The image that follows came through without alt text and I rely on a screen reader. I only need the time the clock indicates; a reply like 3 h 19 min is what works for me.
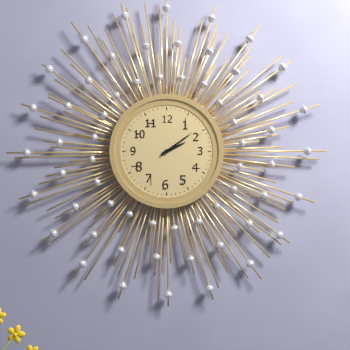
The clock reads 2 h 09 min
